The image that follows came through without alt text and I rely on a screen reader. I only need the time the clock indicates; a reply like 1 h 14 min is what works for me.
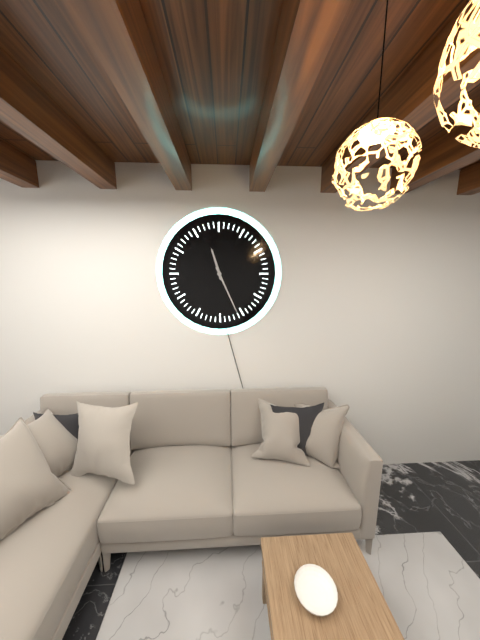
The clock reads 11 h 26 min
